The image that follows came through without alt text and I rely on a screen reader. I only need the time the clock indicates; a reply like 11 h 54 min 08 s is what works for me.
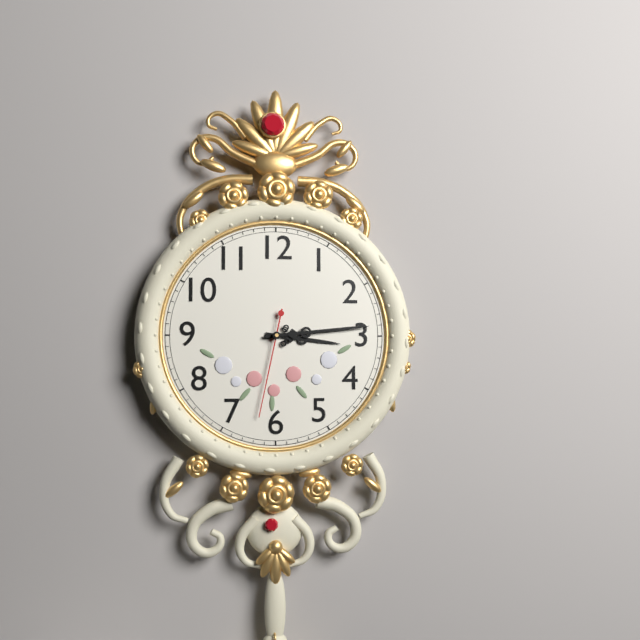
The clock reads 3 h 14 min 32 s
